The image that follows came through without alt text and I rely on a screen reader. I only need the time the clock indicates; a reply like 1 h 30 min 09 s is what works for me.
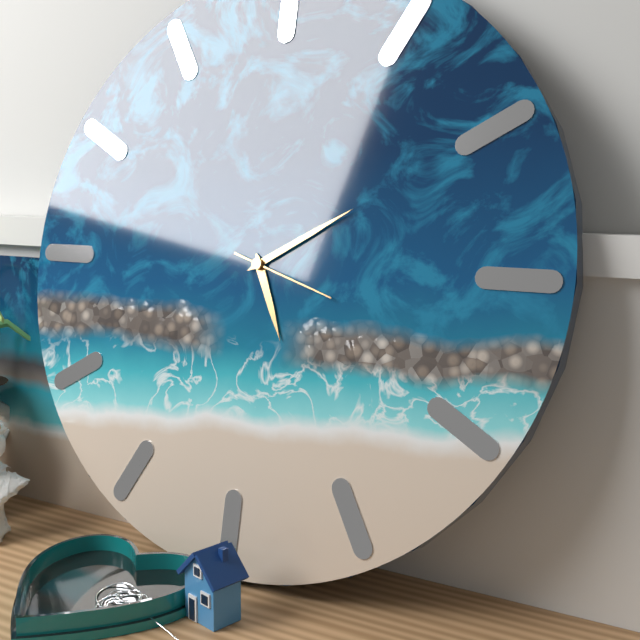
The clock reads 5 h 10 min 18 s
